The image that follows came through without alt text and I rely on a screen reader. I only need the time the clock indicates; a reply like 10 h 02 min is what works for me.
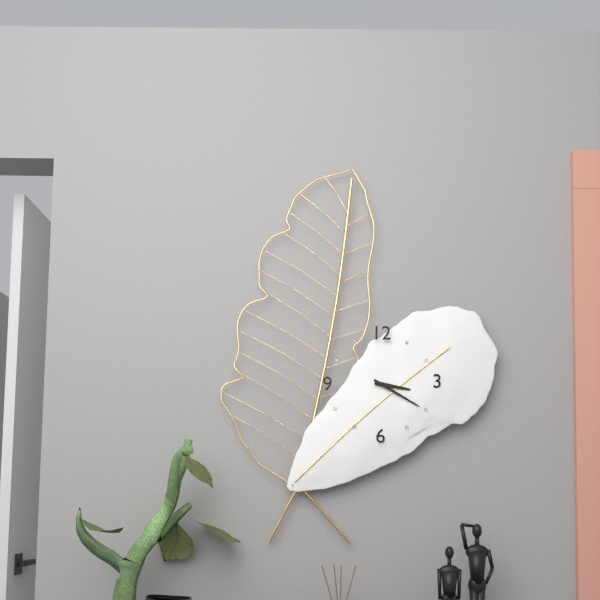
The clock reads 3 h 20 min
